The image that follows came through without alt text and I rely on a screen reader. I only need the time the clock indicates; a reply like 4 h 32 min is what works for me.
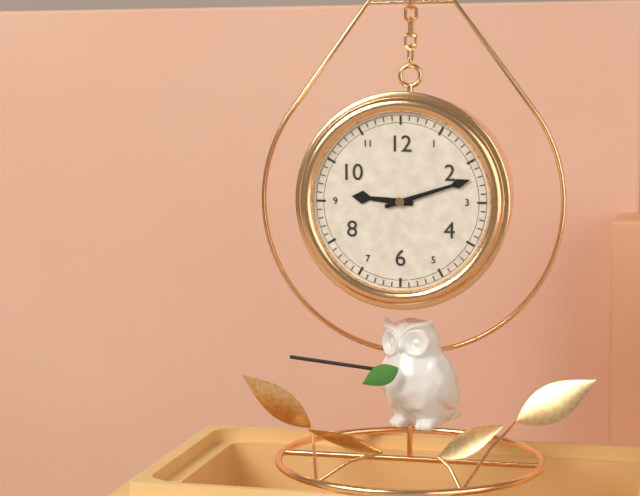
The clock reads 9 h 12 min
